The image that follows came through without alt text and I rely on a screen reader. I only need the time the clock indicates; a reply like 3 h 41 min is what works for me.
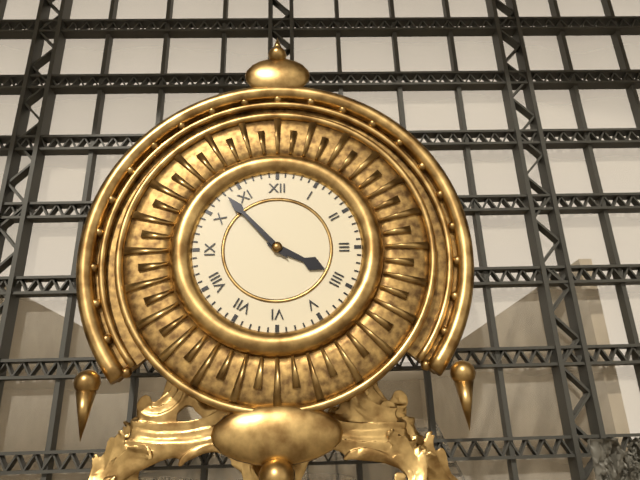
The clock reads 3 h 53 min
